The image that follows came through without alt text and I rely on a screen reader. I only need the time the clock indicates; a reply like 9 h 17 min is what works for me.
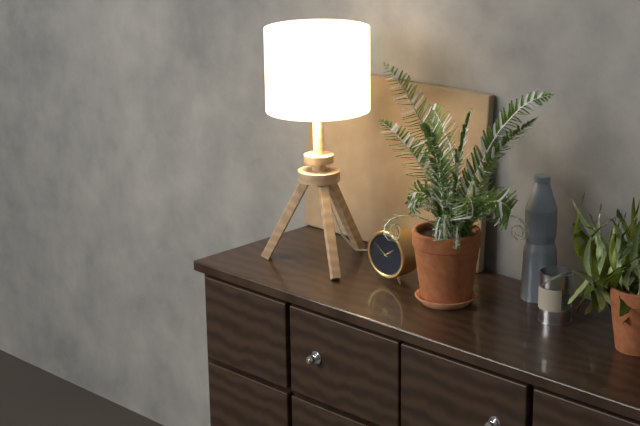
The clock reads 1 h 51 min
